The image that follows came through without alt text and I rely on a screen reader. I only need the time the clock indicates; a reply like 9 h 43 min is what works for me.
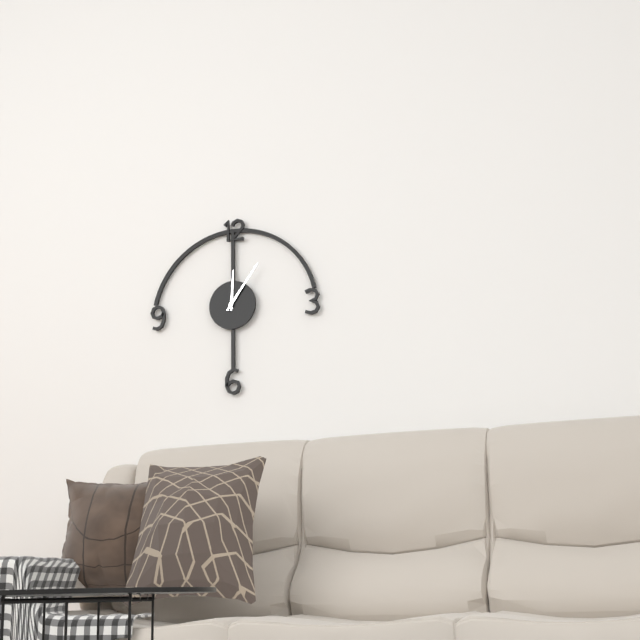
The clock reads 12 h 06 min
